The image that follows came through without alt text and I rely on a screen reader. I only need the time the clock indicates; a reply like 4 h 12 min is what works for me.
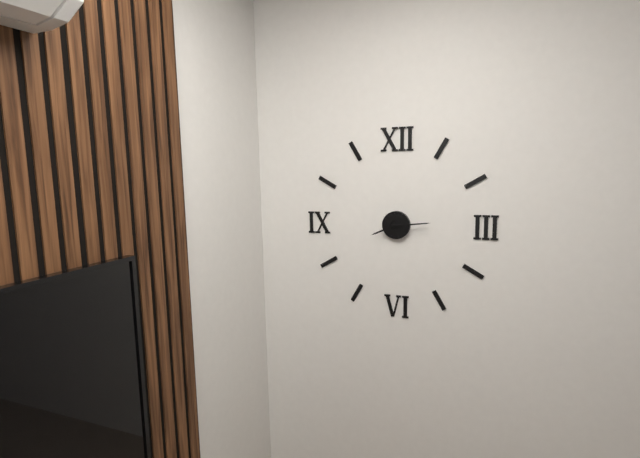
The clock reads 8 h 14 min
